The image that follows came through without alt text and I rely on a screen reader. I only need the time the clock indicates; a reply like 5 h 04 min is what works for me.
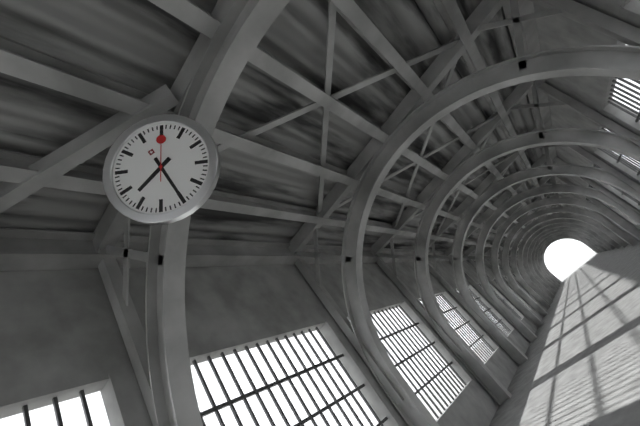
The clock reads 8 h 30 min
